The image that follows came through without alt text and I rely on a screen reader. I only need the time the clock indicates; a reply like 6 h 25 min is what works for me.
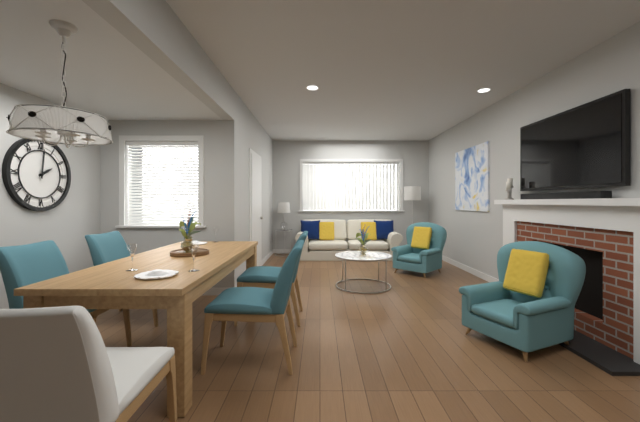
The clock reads 2 h 01 min
